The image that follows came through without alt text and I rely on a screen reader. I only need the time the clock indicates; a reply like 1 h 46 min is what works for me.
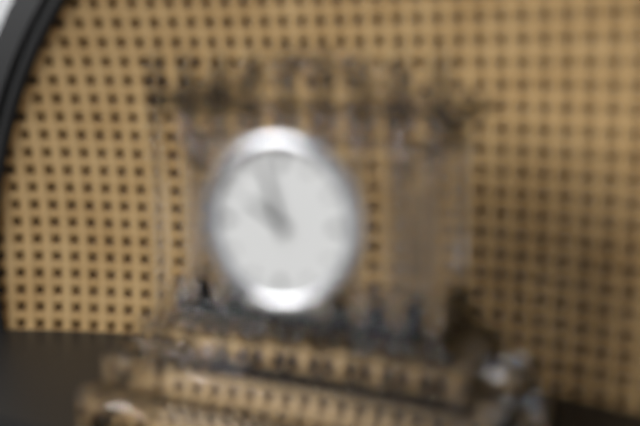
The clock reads 9 h 57 min
